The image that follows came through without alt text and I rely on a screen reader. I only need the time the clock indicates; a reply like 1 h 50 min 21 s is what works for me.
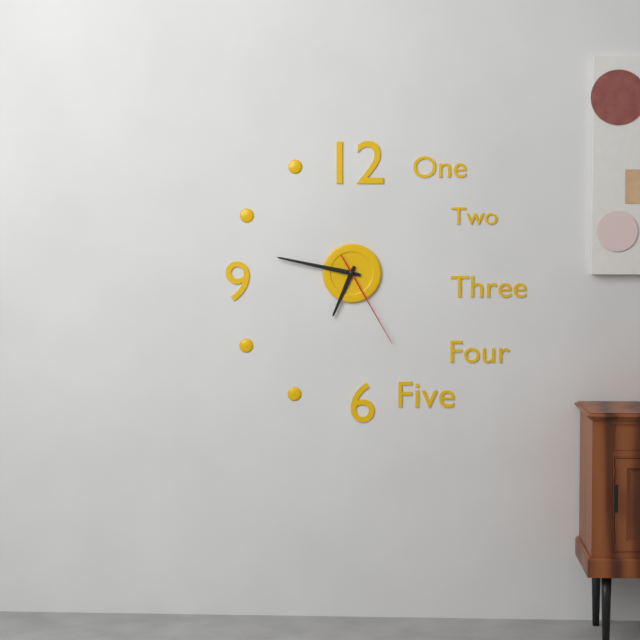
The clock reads 6 h 47 min 25 s
